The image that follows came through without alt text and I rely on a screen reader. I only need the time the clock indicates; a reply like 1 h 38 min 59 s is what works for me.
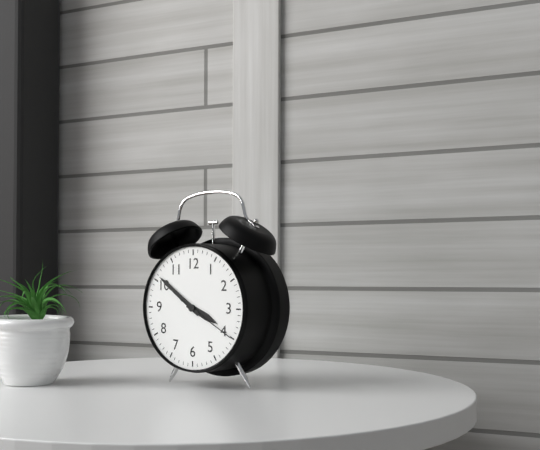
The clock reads 3 h 51 min 20 s
